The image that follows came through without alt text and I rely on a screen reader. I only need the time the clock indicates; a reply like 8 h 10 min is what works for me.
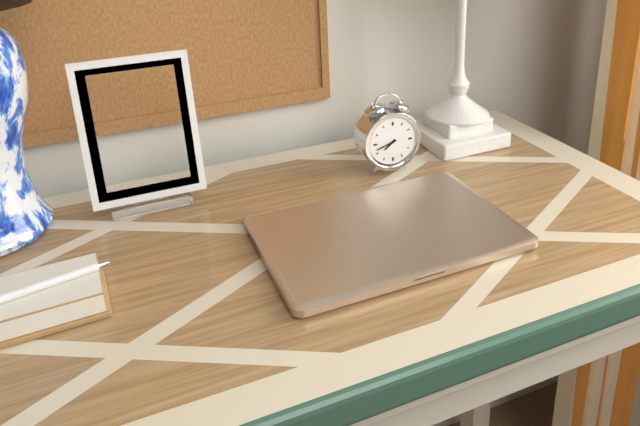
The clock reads 7 h 42 min
